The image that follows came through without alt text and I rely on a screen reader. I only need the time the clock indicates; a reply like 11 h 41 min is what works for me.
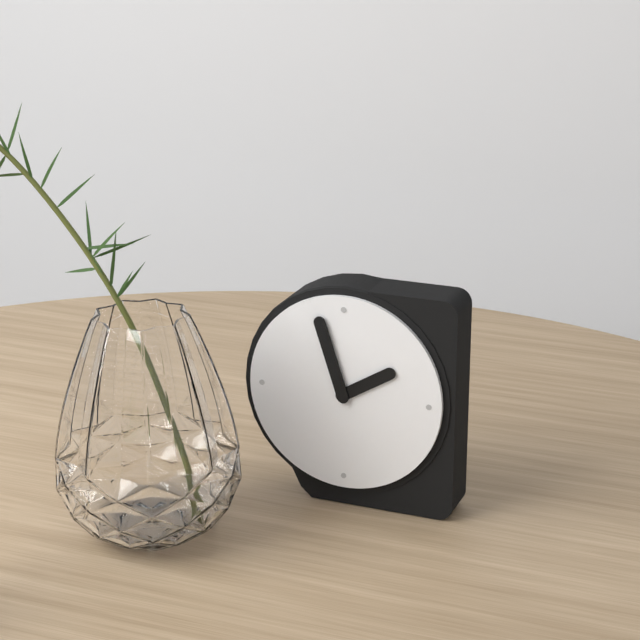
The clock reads 1 h 57 min
